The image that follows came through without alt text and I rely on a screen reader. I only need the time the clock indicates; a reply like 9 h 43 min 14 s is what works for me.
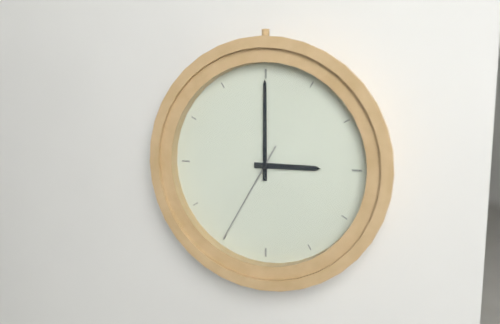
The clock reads 3 h 00 min 35 s
